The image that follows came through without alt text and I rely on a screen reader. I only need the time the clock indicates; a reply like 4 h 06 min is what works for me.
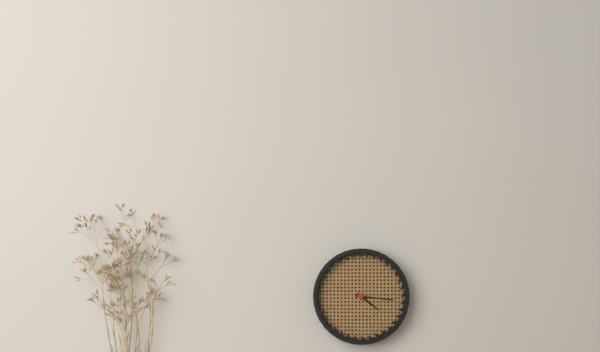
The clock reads 4 h 16 min
